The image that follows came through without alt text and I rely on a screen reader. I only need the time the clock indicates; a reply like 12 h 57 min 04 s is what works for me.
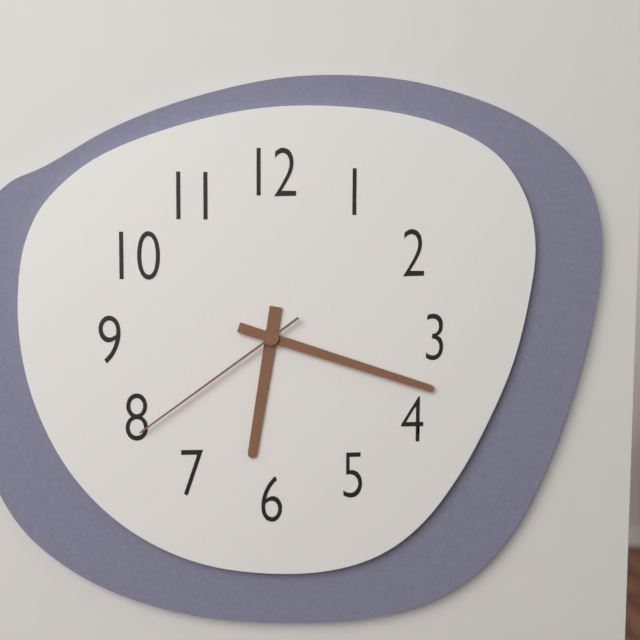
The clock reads 6 h 18 min 39 s
